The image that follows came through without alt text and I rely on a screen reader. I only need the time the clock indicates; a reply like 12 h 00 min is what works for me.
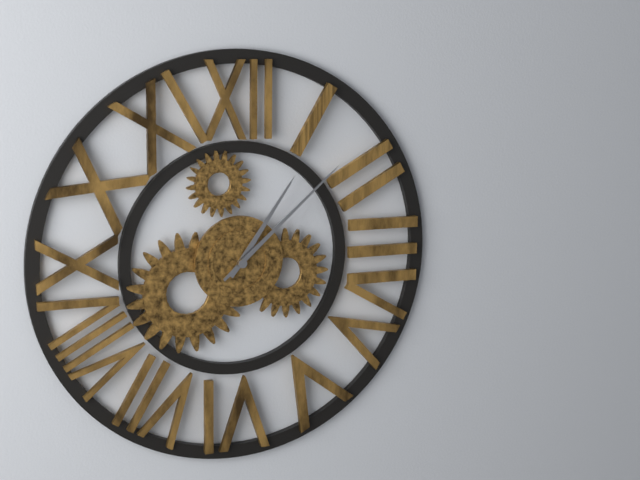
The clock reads 1 h 08 min
